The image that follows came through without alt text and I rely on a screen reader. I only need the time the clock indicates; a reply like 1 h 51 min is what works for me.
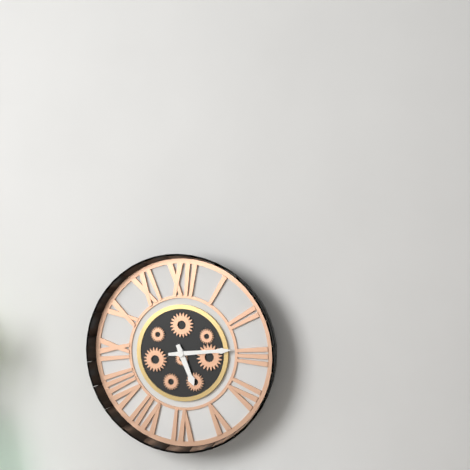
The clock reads 5 h 14 min
